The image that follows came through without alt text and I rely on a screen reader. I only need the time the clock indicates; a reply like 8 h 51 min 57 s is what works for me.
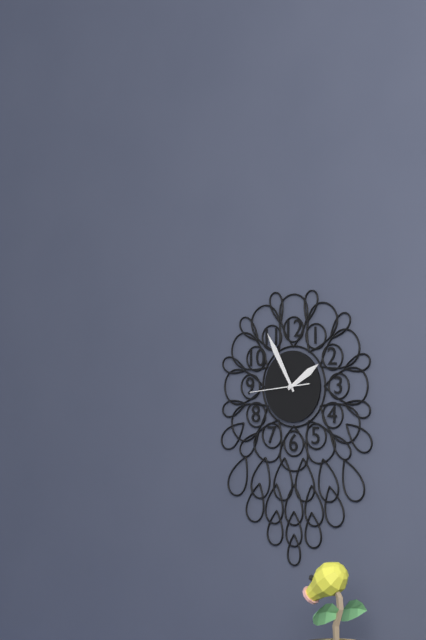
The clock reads 1 h 55 min 44 s
